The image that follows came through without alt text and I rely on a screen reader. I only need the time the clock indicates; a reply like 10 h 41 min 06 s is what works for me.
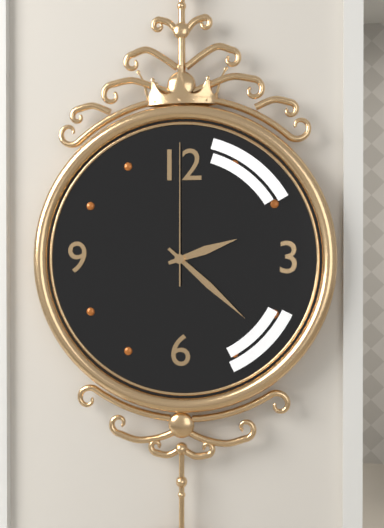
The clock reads 2 h 22 min 00 s
